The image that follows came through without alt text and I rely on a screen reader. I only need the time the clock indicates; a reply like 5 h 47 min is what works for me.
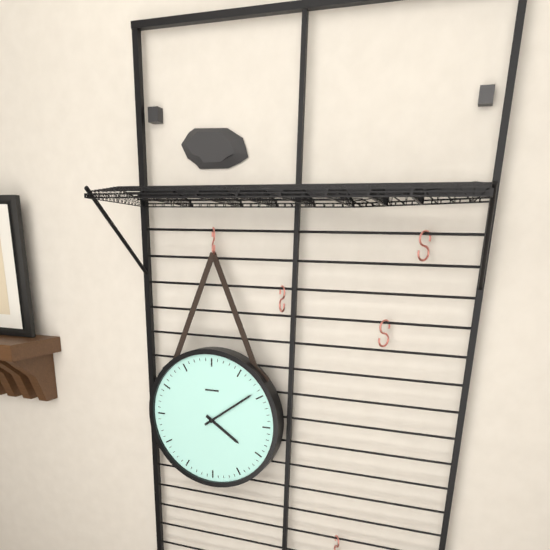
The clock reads 4 h 09 min
